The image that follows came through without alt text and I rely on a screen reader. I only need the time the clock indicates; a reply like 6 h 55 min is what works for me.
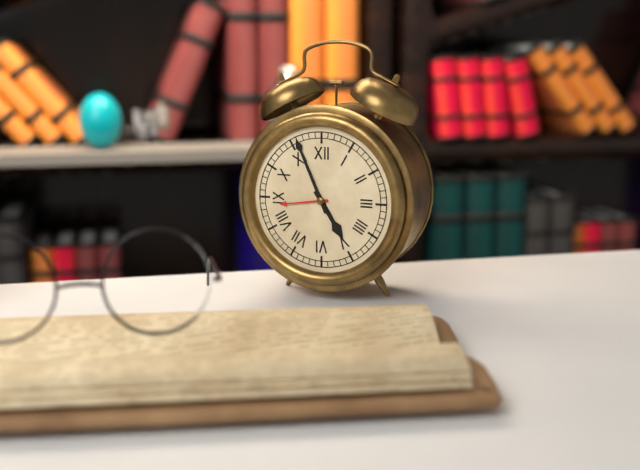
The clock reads 4 h 56 min
